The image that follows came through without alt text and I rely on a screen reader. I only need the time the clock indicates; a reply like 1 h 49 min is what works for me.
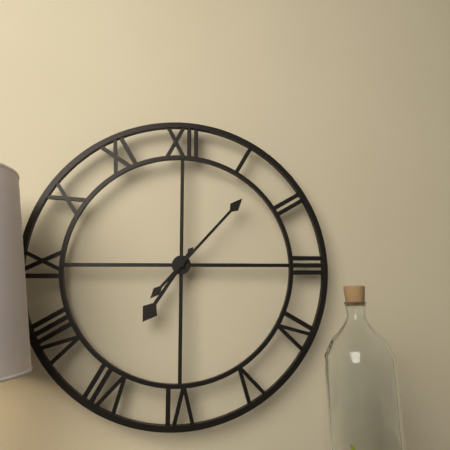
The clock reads 7 h 07 min
